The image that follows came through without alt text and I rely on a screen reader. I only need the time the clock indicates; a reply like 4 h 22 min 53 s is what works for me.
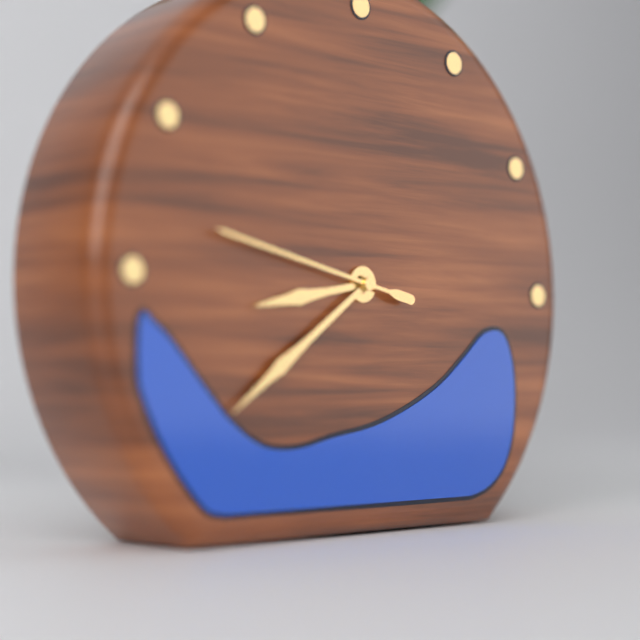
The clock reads 8 h 39 min 47 s
